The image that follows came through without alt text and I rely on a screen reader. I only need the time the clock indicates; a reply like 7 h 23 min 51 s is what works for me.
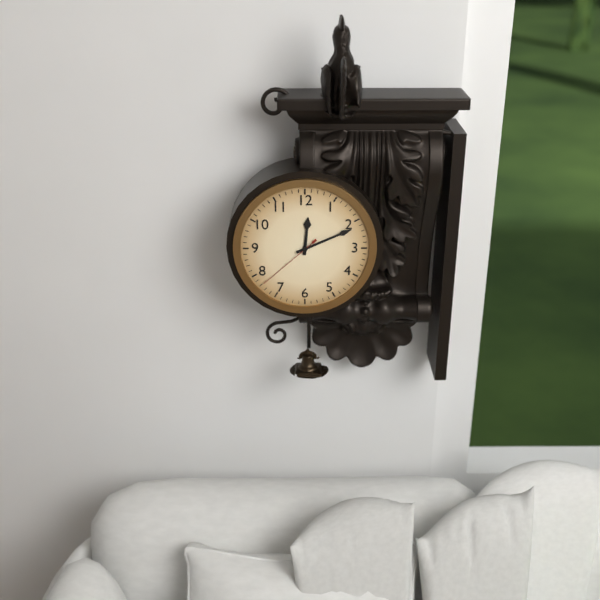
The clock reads 12 h 11 min 38 s
